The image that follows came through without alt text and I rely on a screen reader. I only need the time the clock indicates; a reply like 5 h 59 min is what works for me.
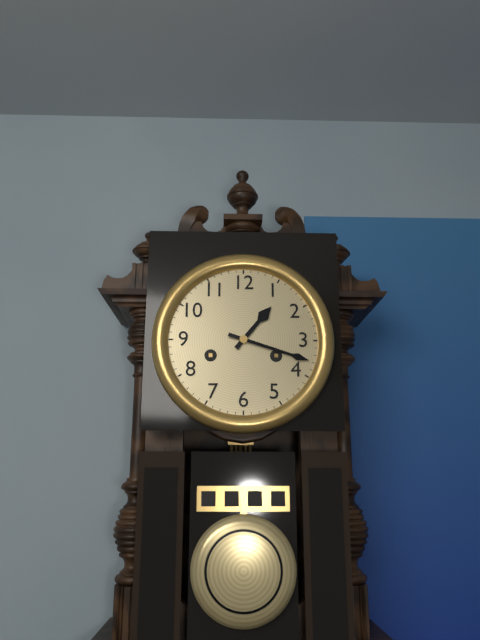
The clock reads 1 h 18 min
